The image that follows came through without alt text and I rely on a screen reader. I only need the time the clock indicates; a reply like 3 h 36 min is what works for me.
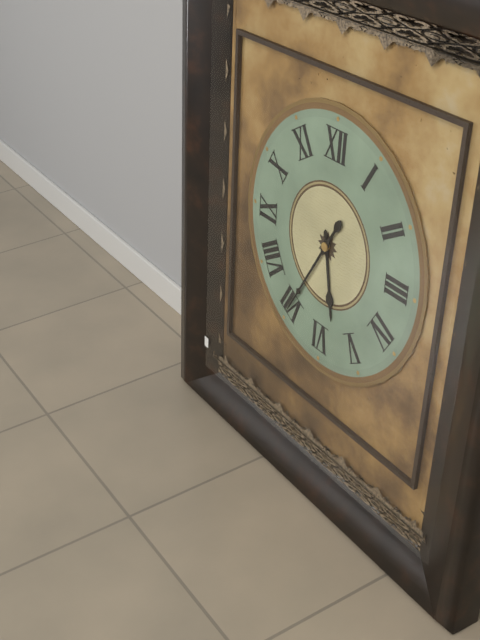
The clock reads 5 h 35 min
